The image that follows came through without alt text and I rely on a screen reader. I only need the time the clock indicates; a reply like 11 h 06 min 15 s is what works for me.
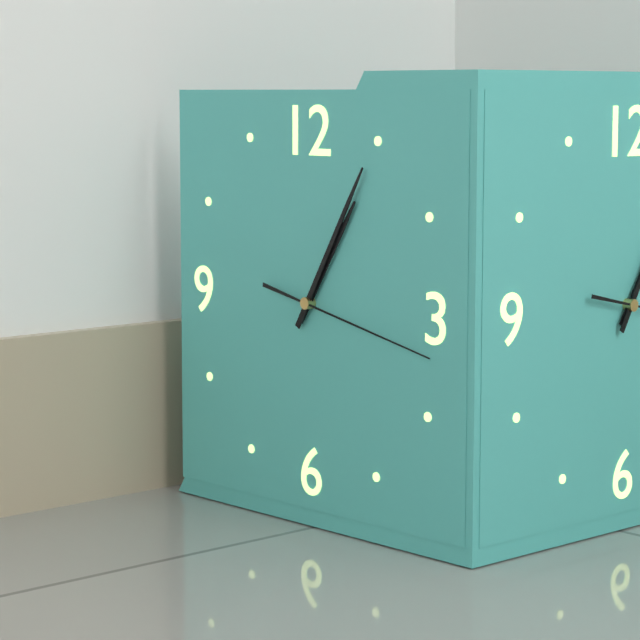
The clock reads 1 h 05 min 17 s
